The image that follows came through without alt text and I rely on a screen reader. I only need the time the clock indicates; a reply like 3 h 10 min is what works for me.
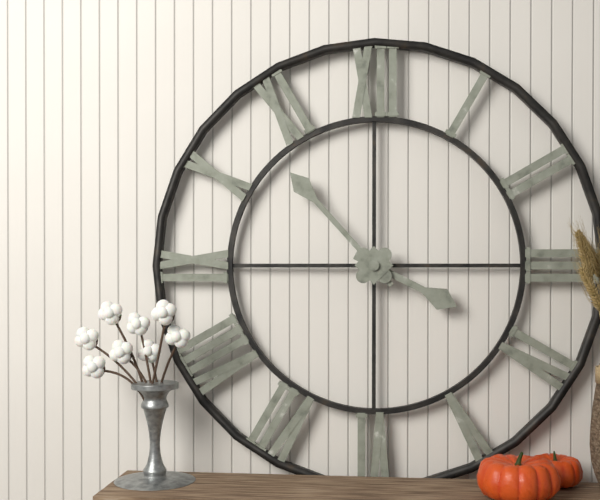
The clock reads 3 h 53 min
